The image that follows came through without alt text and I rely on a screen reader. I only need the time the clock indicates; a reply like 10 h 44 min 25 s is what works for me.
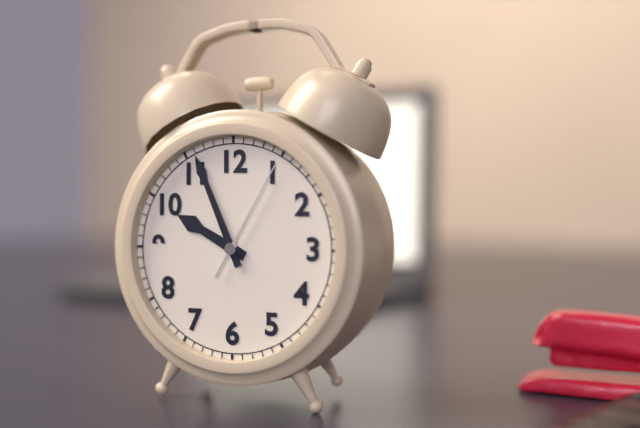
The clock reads 9 h 56 min 05 s
